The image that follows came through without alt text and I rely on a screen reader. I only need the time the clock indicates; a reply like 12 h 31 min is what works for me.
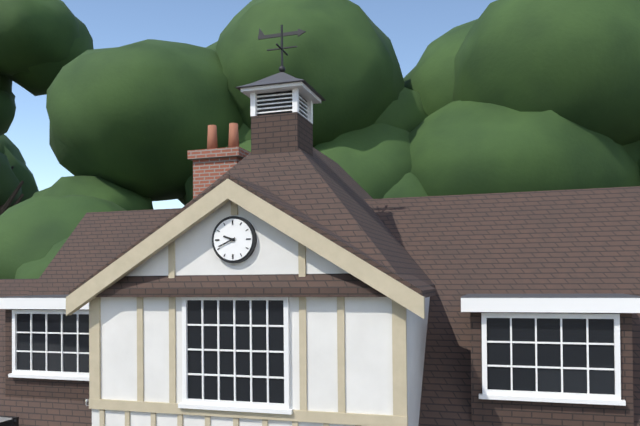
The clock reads 9 h 41 min
